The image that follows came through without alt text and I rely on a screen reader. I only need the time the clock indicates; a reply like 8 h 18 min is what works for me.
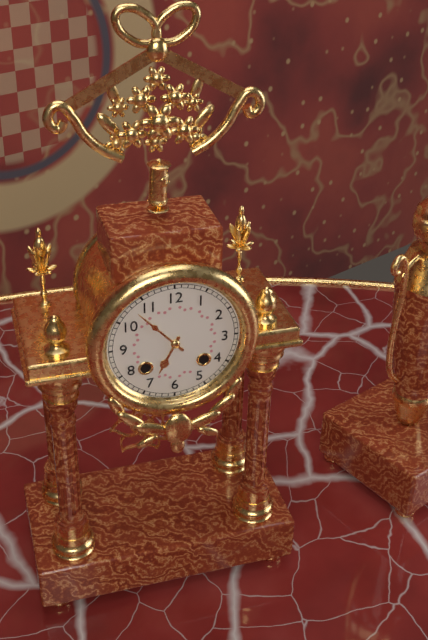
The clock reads 6 h 53 min
